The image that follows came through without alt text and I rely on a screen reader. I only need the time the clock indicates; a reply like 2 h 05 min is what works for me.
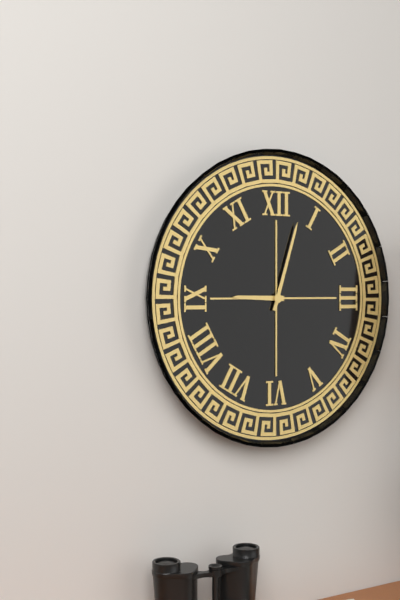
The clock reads 9 h 03 min
